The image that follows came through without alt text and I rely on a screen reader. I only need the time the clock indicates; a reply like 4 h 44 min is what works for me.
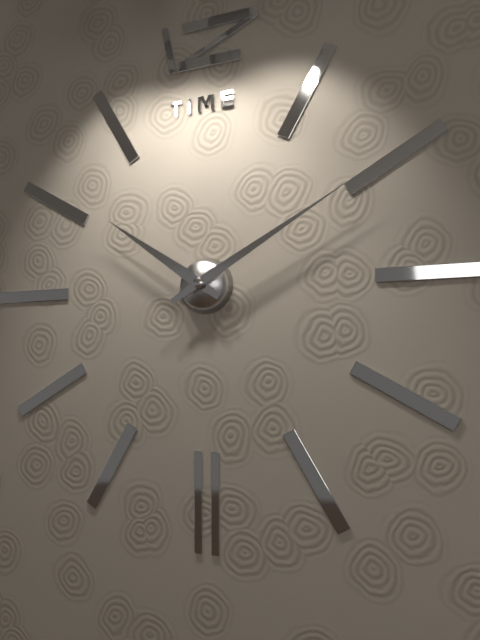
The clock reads 10 h 10 min
